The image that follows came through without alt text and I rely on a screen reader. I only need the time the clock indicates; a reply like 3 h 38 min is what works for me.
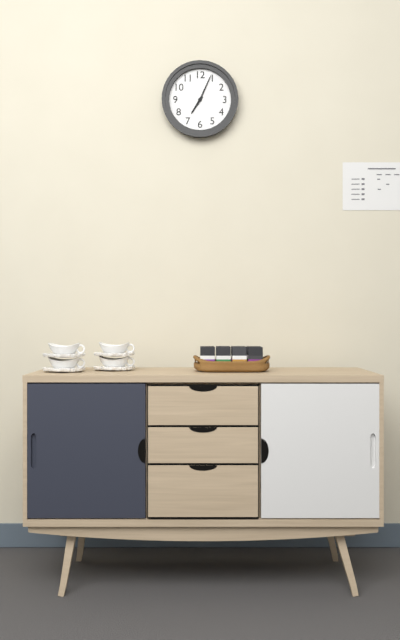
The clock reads 7 h 04 min
